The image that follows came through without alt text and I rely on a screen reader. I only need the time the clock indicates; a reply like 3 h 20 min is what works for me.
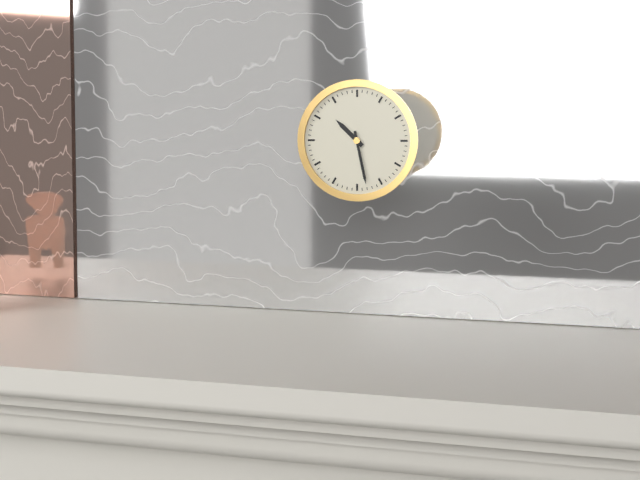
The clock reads 10 h 28 min
